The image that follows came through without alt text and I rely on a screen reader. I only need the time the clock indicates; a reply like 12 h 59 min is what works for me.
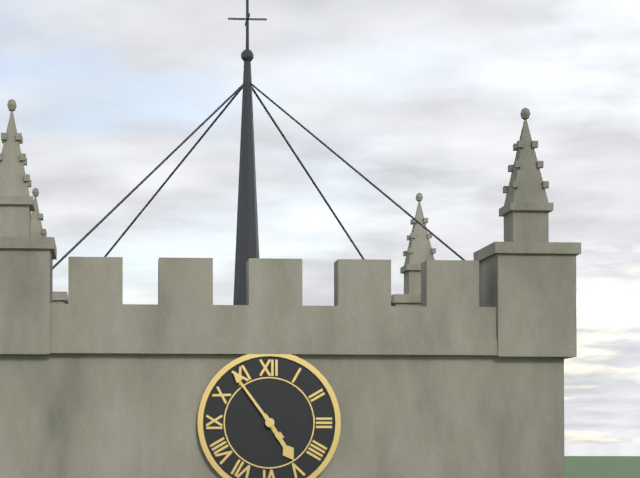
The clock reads 4 h 54 min
